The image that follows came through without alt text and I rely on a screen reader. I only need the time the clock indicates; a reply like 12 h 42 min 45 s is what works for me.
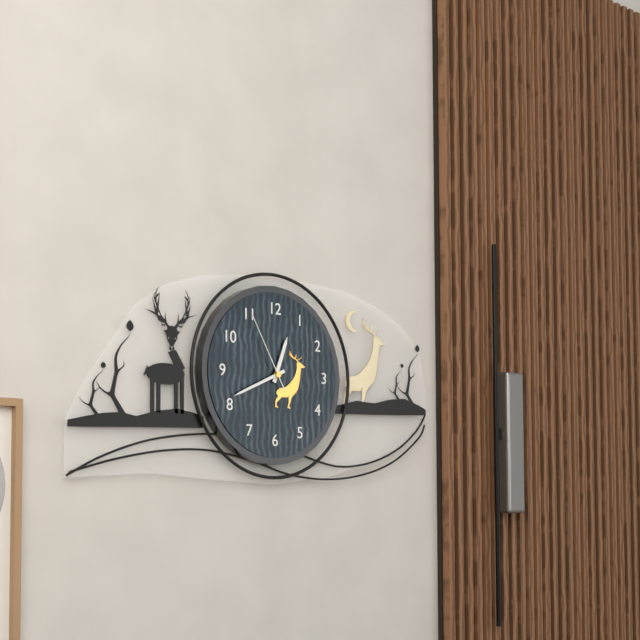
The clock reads 12 h 41 min 55 s
